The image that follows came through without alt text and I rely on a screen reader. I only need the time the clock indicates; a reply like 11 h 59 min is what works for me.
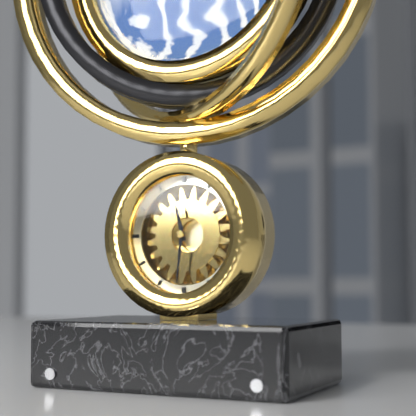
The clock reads 11 h 31 min
